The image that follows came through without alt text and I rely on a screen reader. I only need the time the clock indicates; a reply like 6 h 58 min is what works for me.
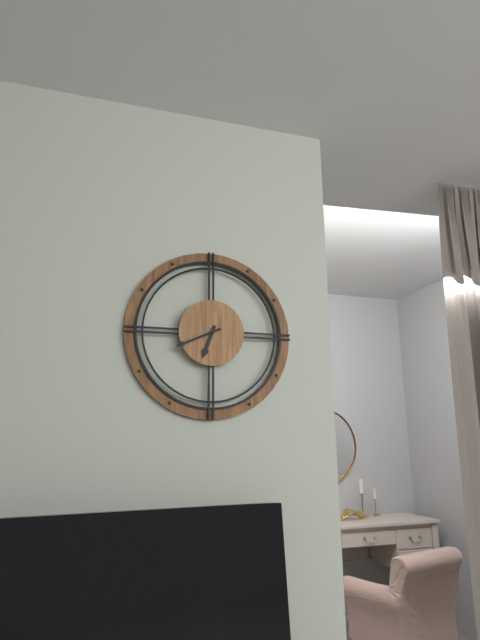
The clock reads 6 h 41 min
